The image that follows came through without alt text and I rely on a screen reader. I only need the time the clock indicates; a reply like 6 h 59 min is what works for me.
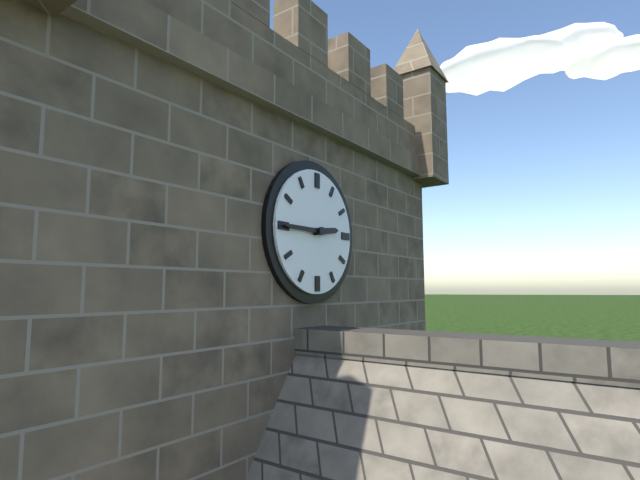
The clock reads 2 h 45 min
